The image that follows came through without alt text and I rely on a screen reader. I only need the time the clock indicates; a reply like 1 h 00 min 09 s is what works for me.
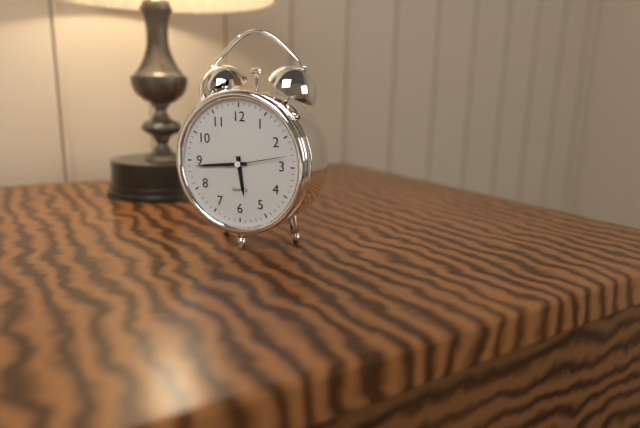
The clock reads 5 h 44 min 13 s
